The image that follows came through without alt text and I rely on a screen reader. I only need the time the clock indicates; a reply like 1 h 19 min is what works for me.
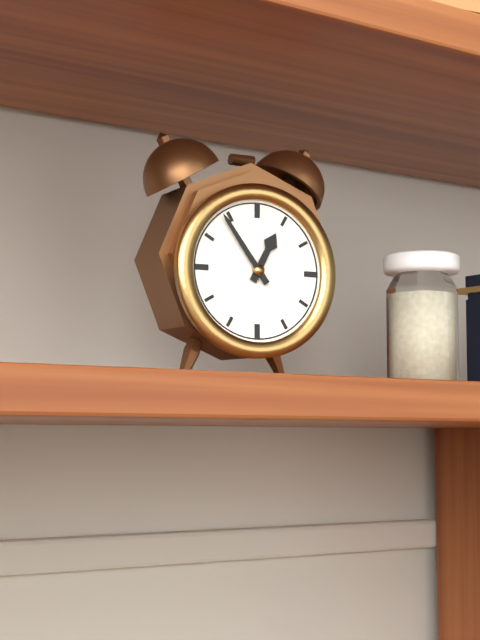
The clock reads 12 h 54 min
